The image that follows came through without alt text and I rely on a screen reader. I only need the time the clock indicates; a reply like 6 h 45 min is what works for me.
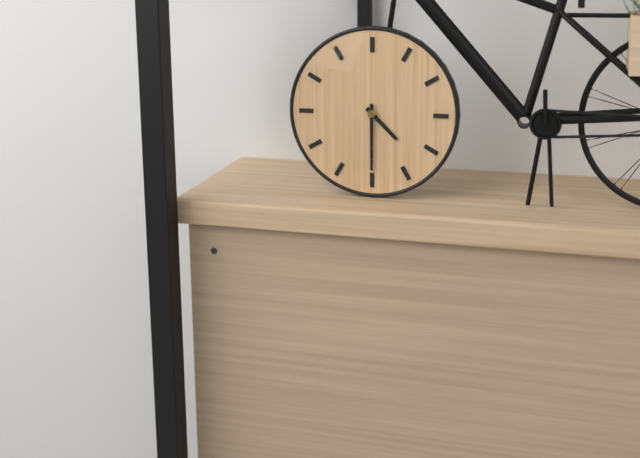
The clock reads 4 h 30 min
